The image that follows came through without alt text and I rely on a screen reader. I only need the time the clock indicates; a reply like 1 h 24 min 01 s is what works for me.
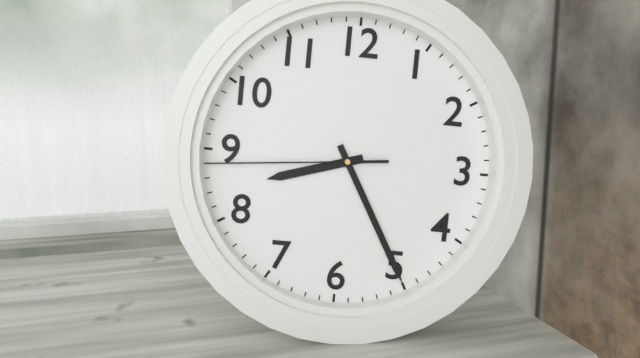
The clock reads 8 h 25 min 44 s
